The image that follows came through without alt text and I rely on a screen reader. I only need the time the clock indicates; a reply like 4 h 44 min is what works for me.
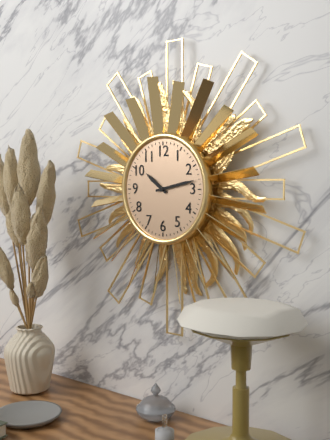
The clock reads 10 h 13 min
